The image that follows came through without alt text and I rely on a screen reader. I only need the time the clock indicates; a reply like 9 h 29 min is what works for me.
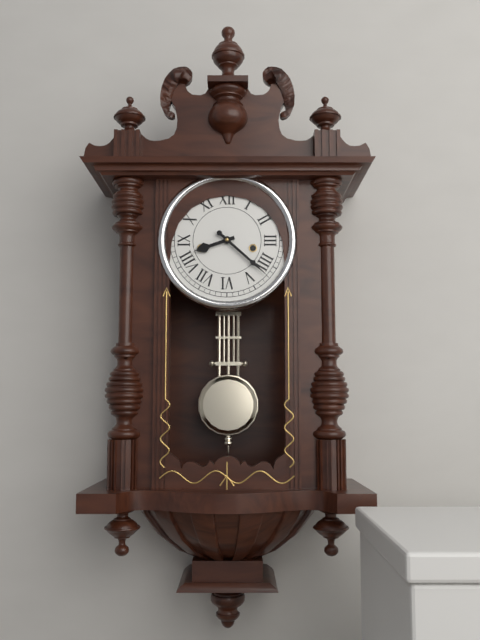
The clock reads 8 h 22 min
